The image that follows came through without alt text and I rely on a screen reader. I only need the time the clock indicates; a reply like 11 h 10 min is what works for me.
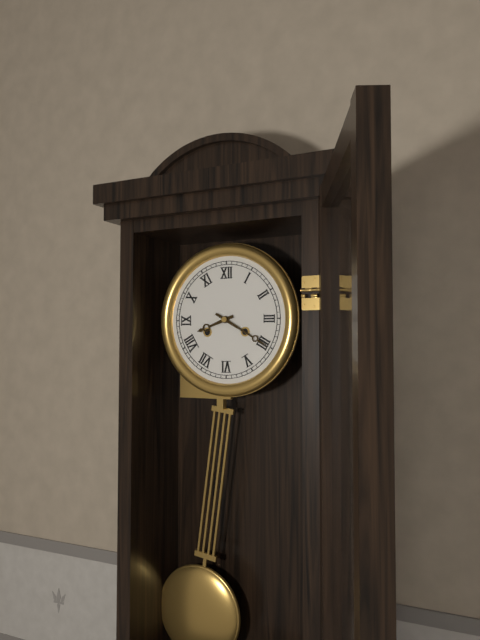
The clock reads 8 h 20 min
